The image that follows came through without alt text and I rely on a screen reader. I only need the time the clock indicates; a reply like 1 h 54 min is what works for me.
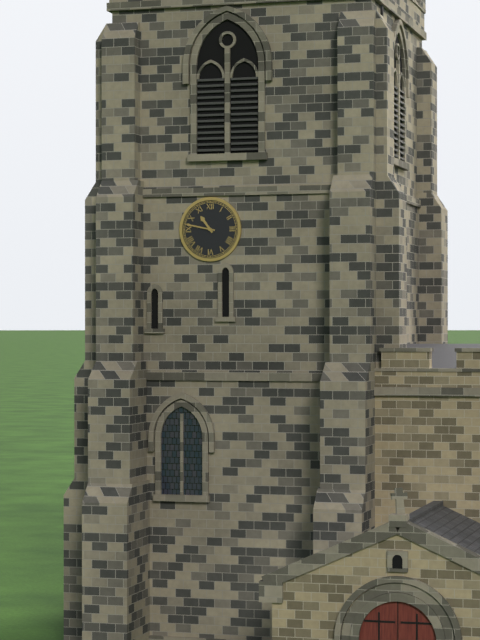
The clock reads 10 h 47 min
